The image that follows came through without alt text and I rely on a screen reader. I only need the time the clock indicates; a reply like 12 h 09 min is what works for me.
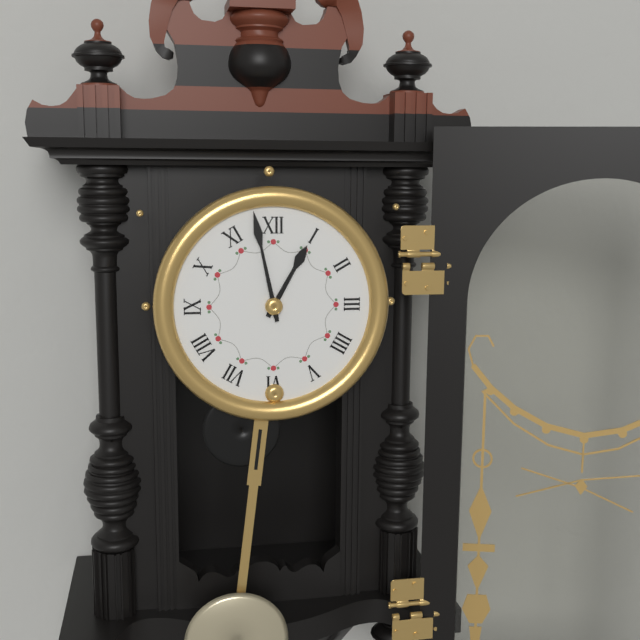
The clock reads 12 h 58 min
